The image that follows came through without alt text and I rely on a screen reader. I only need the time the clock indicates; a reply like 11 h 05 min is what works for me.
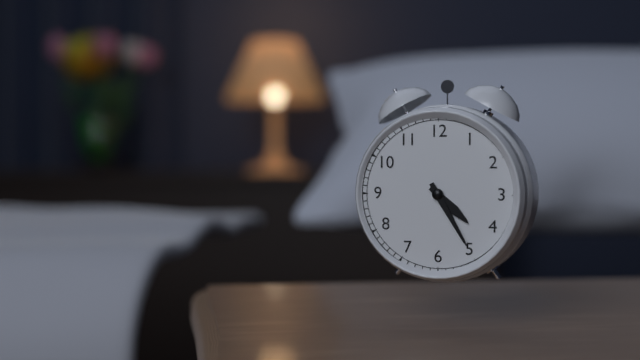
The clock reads 4 h 25 min
